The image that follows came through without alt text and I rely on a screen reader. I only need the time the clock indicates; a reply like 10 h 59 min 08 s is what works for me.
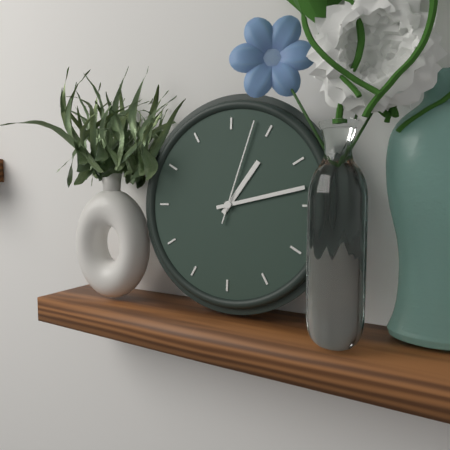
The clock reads 1 h 13 min 03 s
